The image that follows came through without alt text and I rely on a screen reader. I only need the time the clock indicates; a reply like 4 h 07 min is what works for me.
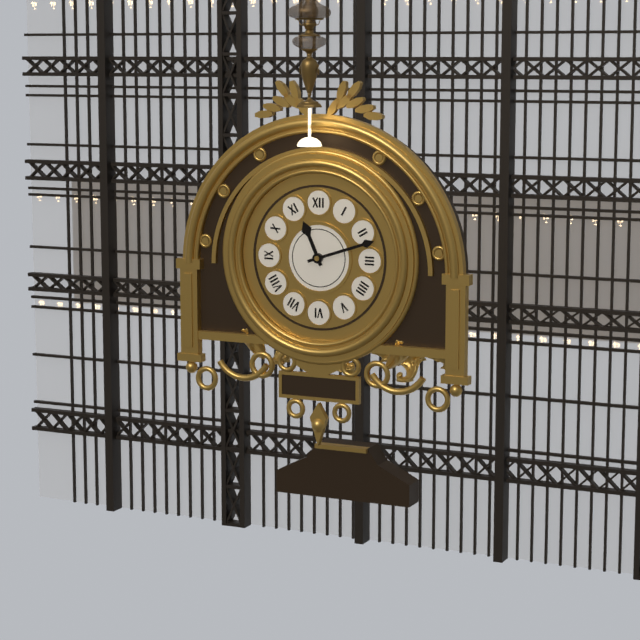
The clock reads 11 h 12 min
